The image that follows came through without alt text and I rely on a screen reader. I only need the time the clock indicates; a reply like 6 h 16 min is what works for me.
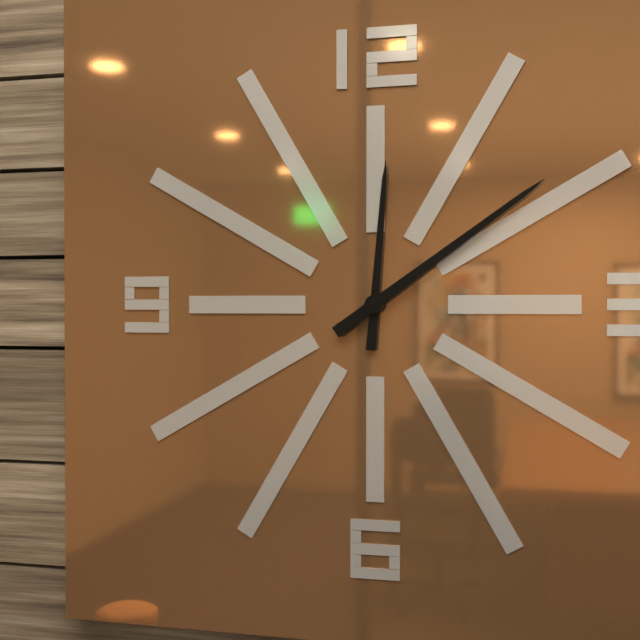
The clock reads 12 h 09 min
